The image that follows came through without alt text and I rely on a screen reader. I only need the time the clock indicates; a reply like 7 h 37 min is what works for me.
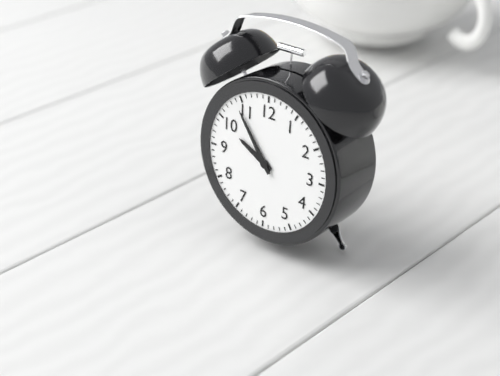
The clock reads 9 h 54 min
